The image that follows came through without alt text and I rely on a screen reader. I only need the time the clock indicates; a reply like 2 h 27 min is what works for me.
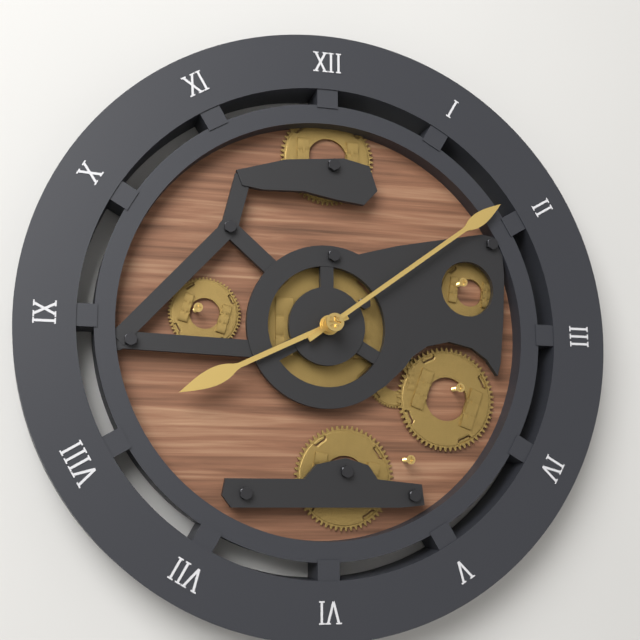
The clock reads 8 h 09 min
